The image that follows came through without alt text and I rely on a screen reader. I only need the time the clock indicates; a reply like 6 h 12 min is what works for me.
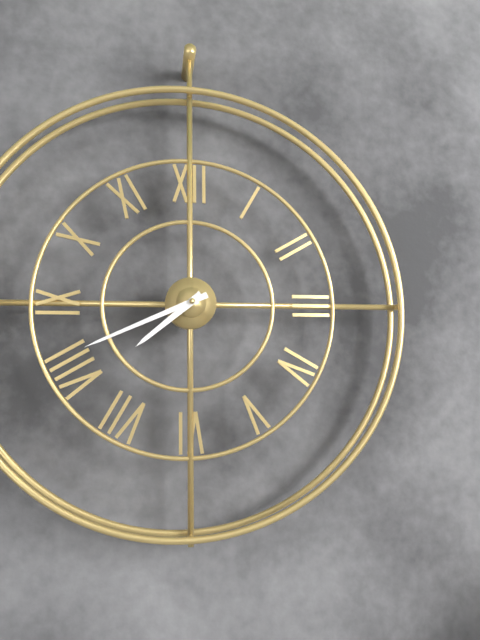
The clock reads 7 h 41 min
